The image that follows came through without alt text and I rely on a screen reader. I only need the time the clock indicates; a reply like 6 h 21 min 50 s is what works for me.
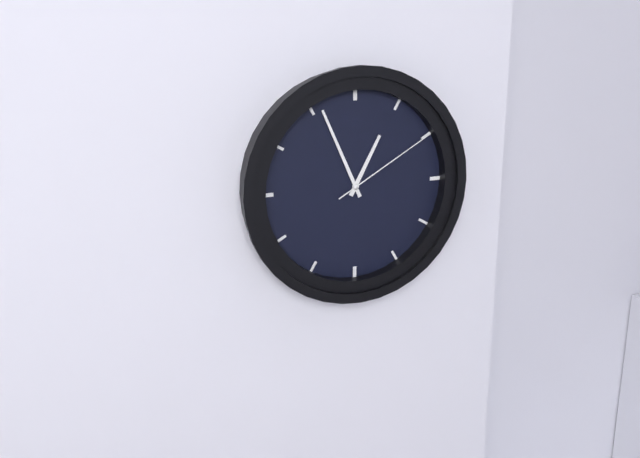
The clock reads 12 h 56 min 10 s
